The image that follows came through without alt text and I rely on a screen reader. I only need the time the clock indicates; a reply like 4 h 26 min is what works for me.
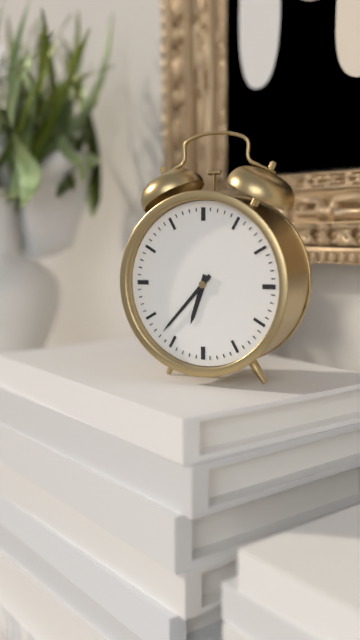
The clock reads 6 h 37 min
